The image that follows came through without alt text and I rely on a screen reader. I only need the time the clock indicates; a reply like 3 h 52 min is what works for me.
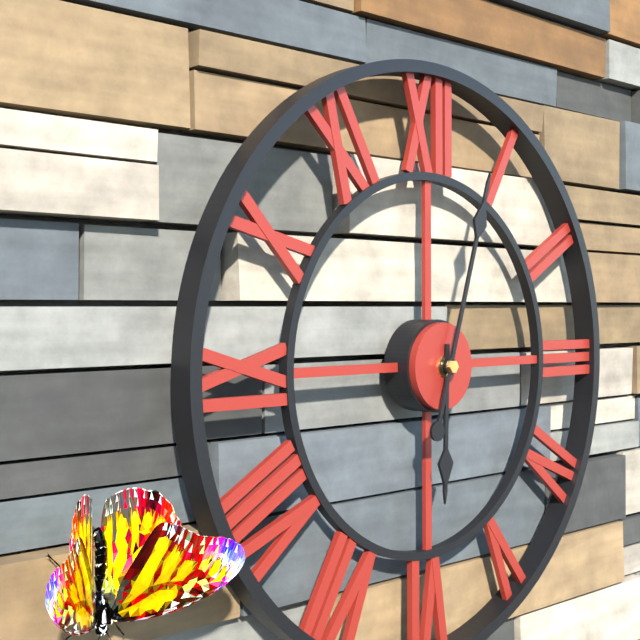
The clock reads 6 h 03 min
